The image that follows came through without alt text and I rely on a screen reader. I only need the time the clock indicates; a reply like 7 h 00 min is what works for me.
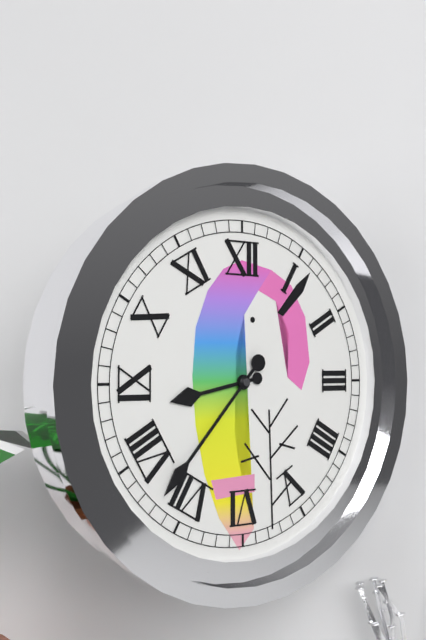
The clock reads 8 h 37 min
